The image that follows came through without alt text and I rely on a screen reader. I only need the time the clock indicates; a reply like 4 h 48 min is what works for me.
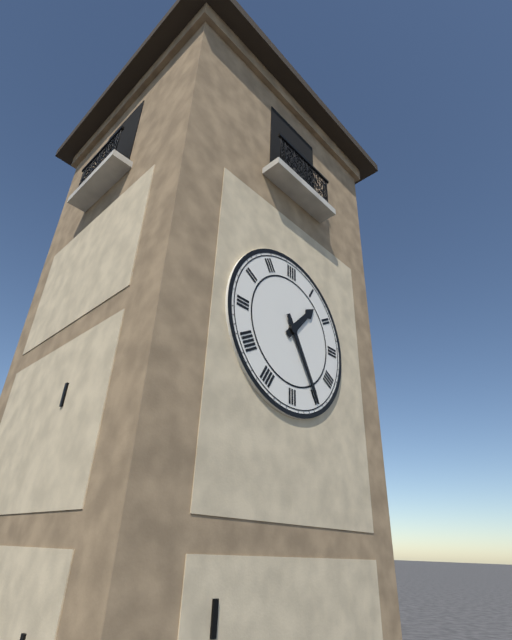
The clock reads 1 h 25 min
